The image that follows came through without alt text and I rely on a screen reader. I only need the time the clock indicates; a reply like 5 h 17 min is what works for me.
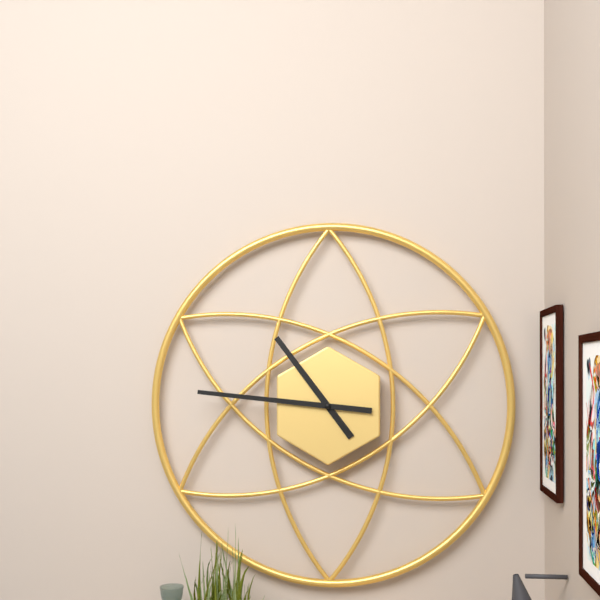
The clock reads 10 h 46 min
